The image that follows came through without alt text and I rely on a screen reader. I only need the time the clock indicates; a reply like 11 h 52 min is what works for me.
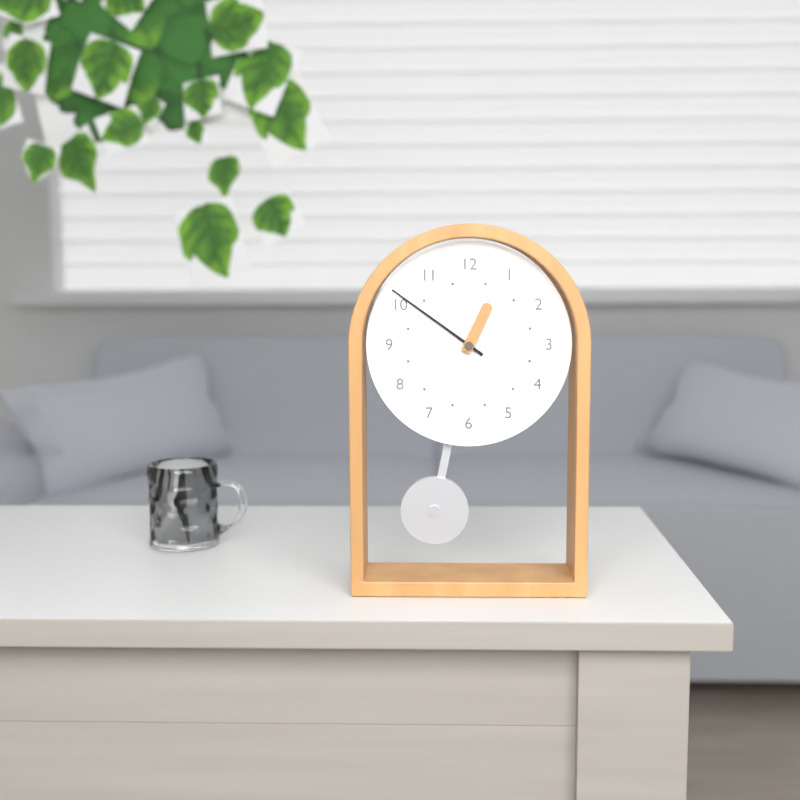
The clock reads 12 h 51 min
